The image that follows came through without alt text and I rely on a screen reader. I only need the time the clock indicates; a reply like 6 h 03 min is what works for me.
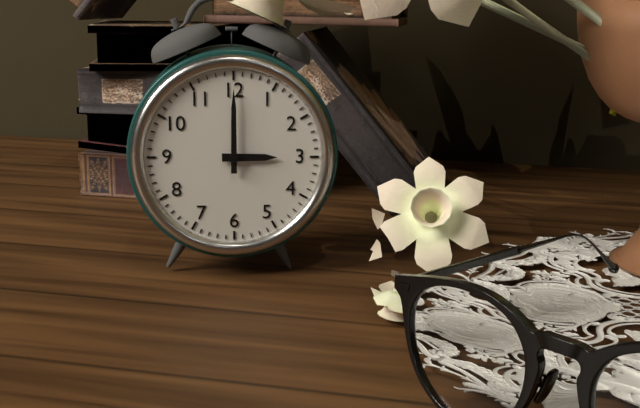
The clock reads 3 h 00 min
